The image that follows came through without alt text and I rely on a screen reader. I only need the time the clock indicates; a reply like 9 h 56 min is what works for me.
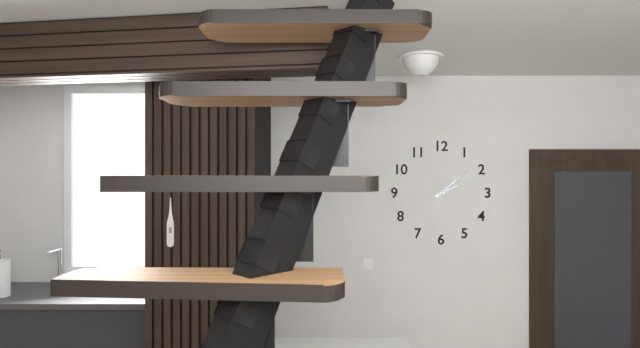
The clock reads 2 h 08 min
